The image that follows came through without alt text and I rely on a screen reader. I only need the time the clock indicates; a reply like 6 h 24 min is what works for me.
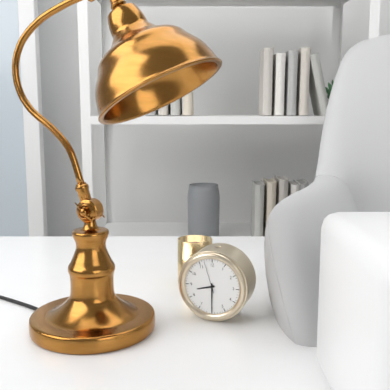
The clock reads 8 h 30 min
